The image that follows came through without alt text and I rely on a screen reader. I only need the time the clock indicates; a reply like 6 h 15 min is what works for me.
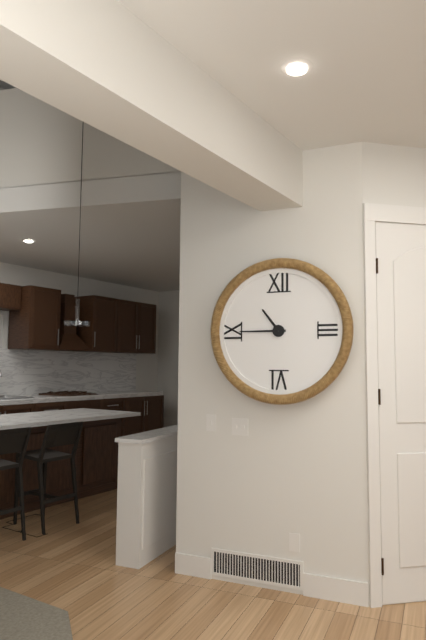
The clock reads 10 h 45 min
